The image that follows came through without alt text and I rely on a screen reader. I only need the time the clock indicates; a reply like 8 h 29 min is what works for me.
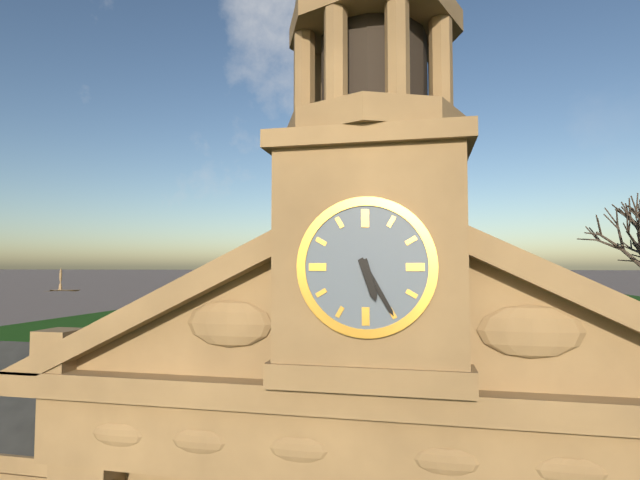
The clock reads 5 h 25 min
